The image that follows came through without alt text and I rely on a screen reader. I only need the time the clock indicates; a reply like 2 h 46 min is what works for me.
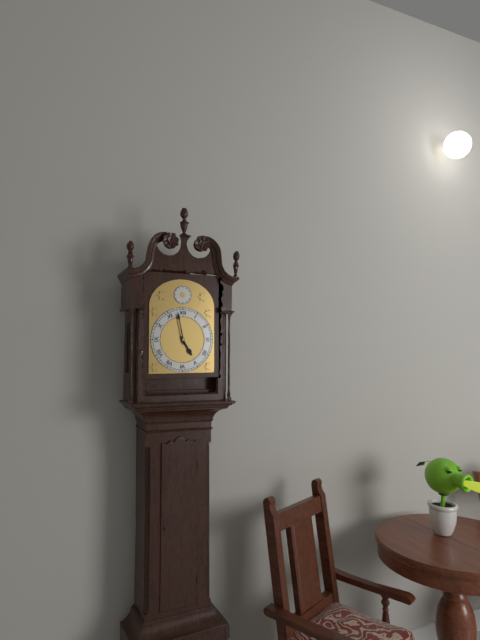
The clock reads 4 h 58 min
